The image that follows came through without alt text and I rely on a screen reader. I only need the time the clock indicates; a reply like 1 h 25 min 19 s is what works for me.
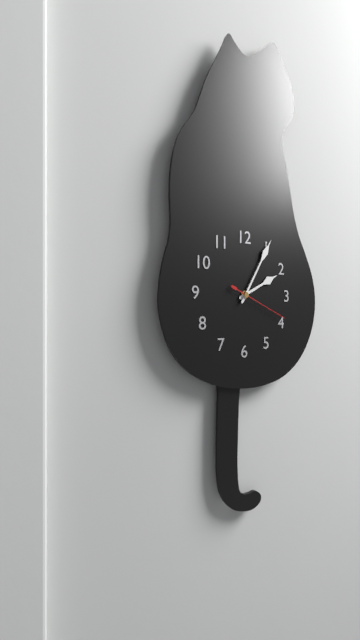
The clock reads 2 h 05 min 19 s
